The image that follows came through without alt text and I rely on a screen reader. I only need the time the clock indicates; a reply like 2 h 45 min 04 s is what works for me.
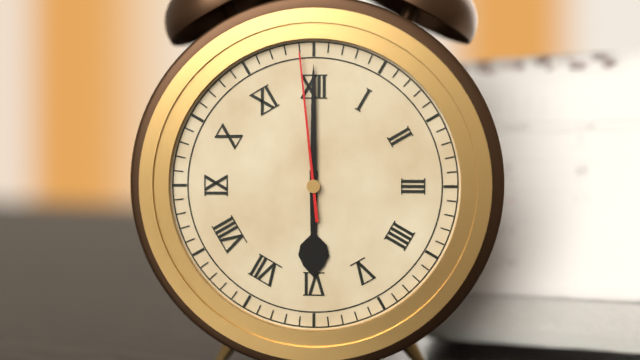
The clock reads 6 h 00 min 59 s
